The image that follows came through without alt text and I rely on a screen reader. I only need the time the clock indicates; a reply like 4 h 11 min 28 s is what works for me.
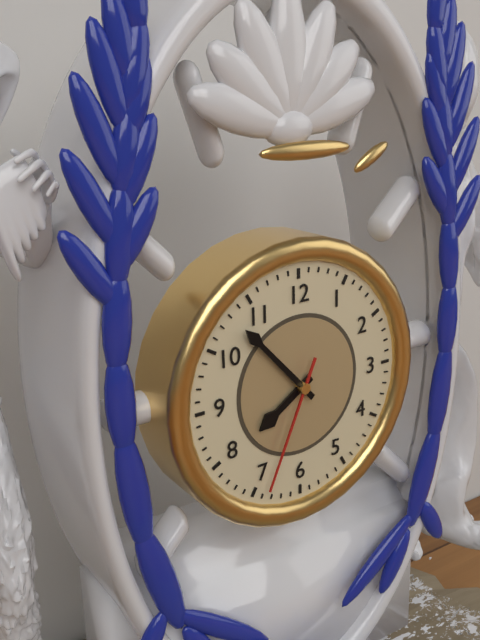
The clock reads 7 h 53 min 34 s
